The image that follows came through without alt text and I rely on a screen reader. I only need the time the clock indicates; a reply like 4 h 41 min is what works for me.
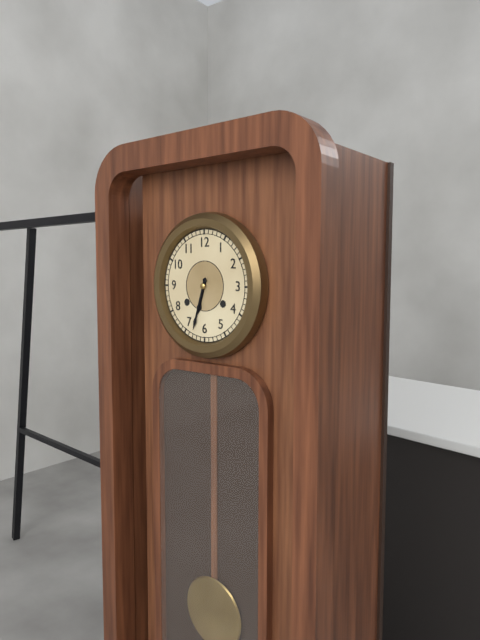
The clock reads 6 h 33 min
